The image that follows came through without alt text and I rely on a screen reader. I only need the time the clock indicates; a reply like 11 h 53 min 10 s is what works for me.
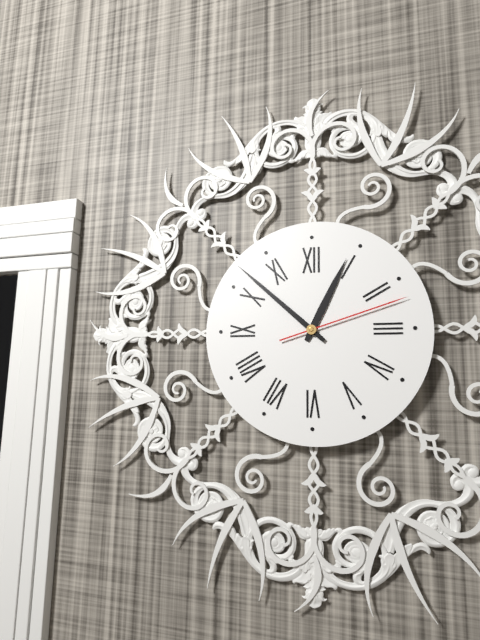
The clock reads 12 h 52 min 12 s
